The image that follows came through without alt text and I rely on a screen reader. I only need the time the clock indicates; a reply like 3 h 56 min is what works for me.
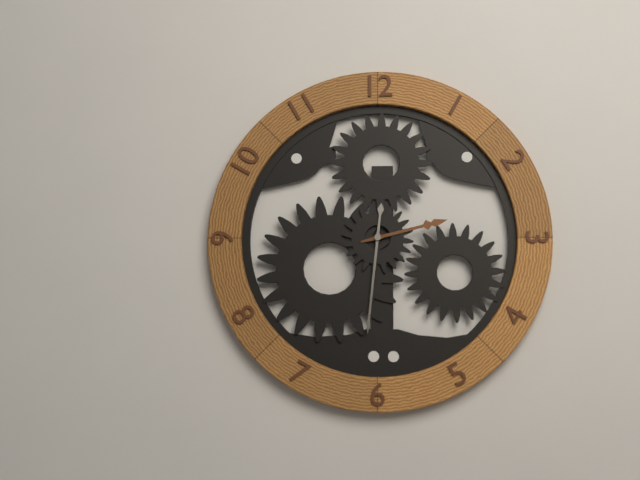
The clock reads 2 h 31 min
